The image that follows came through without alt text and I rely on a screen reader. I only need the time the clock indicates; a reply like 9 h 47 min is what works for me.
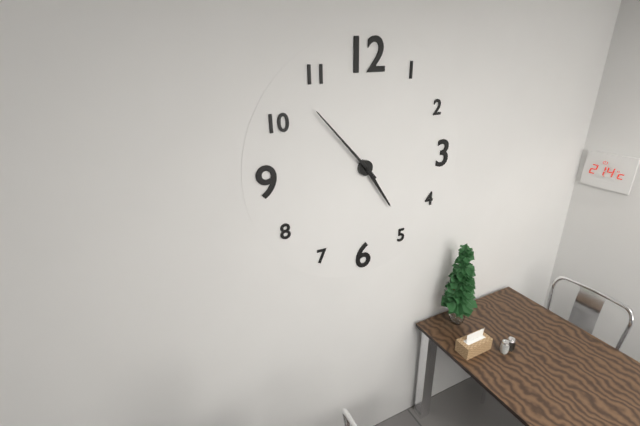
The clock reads 4 h 53 min
